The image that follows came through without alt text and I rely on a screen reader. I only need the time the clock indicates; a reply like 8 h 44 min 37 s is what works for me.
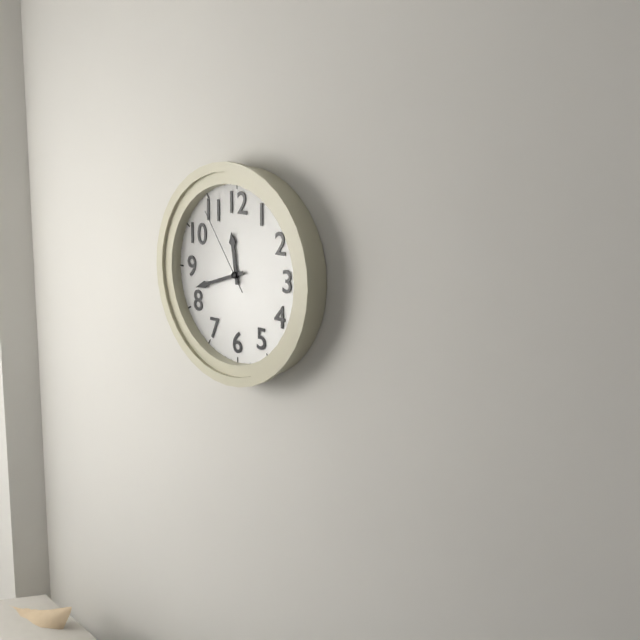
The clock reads 11 h 42 min 54 s
